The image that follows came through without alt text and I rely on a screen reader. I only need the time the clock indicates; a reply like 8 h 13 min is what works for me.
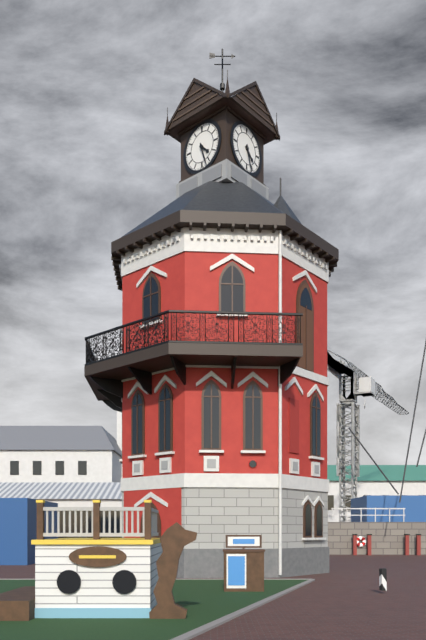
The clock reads 4 h 27 min
